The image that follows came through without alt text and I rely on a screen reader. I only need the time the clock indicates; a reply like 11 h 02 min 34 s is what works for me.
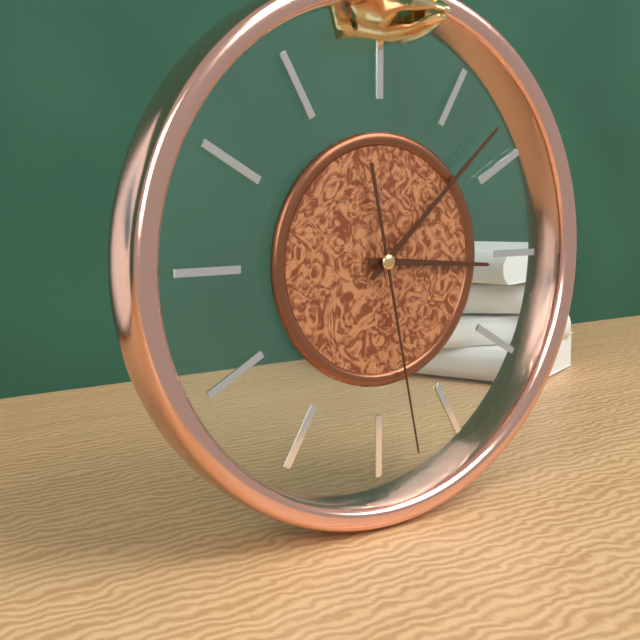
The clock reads 3 h 08 min 28 s
